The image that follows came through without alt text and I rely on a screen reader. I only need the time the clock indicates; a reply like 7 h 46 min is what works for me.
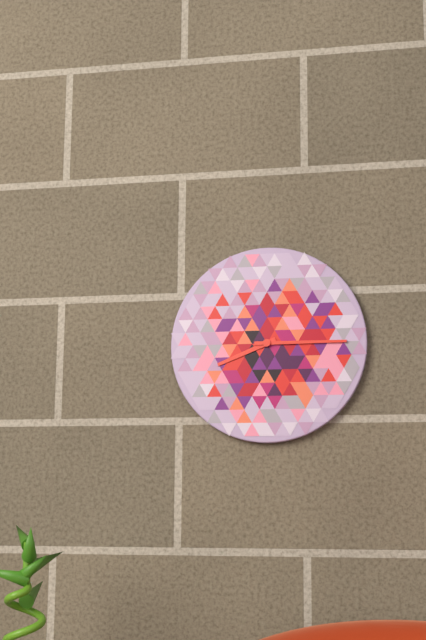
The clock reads 8 h 15 min
